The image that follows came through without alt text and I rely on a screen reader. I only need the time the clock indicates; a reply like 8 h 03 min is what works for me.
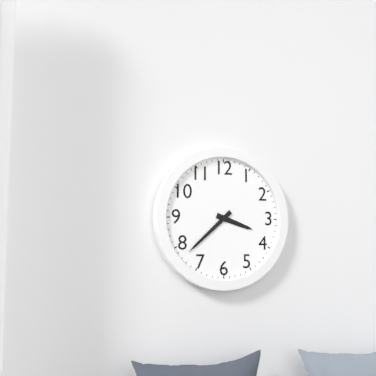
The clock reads 3 h 38 min
